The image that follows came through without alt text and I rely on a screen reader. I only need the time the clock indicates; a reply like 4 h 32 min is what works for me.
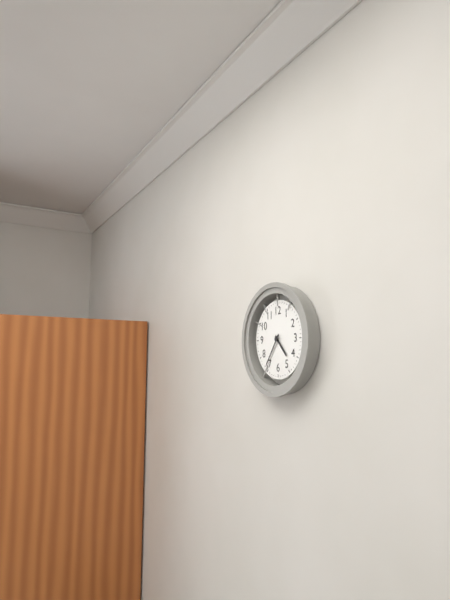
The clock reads 4 h 36 min
